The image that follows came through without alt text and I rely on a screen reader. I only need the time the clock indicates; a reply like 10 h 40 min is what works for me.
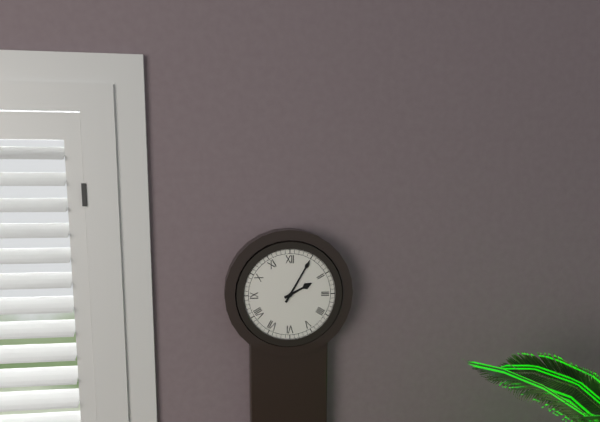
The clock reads 2 h 05 min
